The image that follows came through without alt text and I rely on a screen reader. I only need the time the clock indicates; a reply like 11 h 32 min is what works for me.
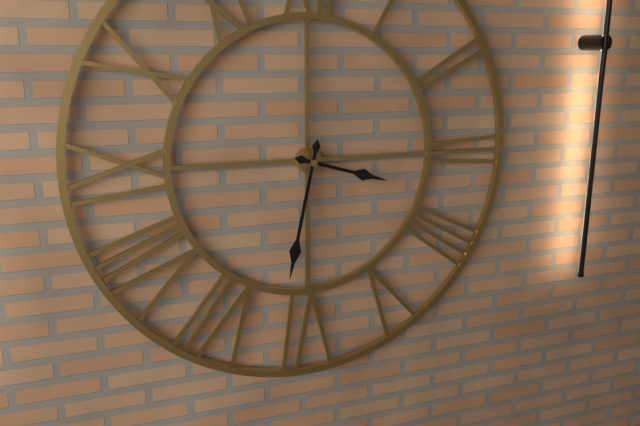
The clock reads 3 h 32 min
